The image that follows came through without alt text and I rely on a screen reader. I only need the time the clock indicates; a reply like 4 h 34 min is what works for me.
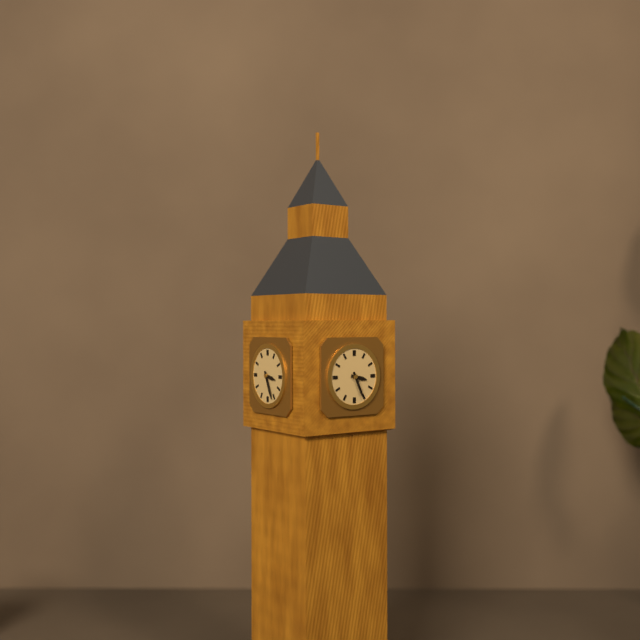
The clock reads 3 h 26 min
